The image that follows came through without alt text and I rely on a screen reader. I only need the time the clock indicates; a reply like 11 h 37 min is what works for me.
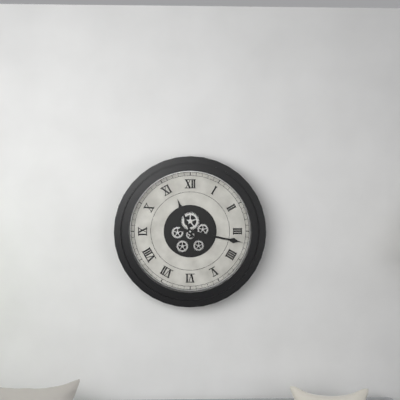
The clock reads 11 h 17 min
